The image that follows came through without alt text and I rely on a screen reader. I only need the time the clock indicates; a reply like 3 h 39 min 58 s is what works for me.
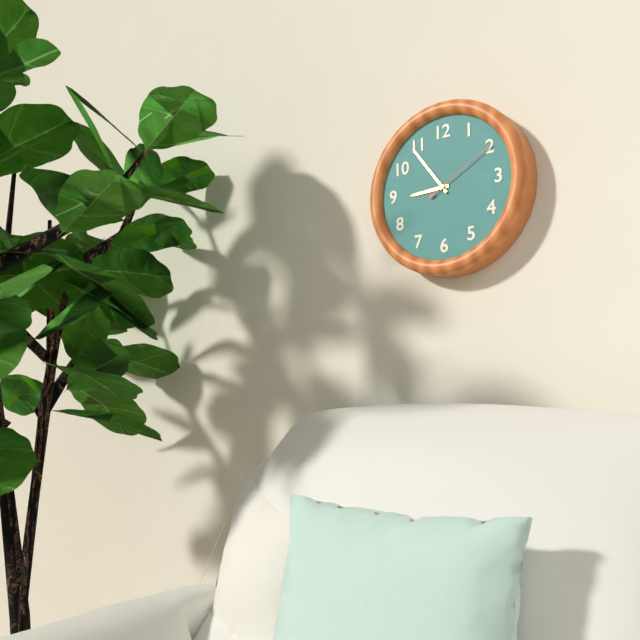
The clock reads 8 h 54 min 10 s
